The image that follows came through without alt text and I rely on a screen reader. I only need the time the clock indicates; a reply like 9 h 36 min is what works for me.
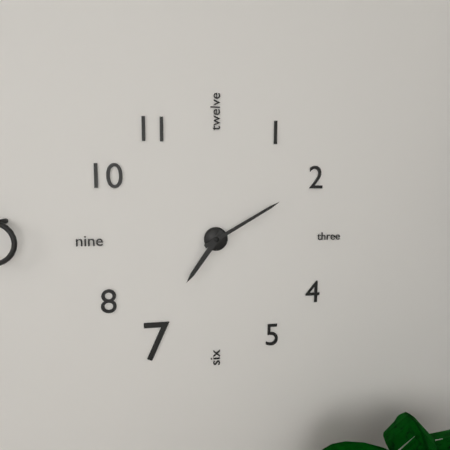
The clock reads 7 h 10 min
